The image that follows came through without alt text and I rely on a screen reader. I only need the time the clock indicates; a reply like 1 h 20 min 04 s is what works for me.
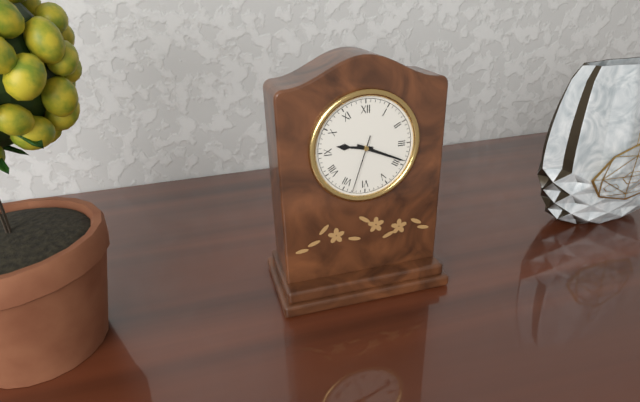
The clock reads 9 h 19 min 33 s
